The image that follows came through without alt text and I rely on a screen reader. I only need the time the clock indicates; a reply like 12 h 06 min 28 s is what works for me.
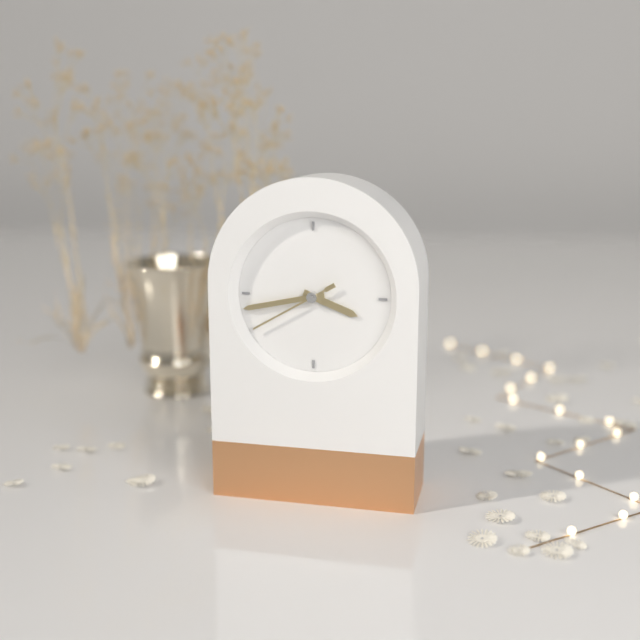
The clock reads 3 h 43 min 40 s
